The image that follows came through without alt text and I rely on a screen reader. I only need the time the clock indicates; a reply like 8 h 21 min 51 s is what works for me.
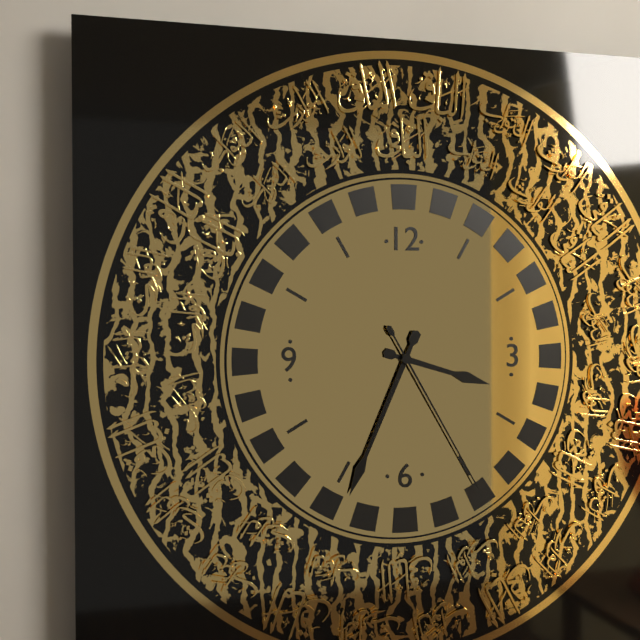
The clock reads 3 h 34 min 25 s
